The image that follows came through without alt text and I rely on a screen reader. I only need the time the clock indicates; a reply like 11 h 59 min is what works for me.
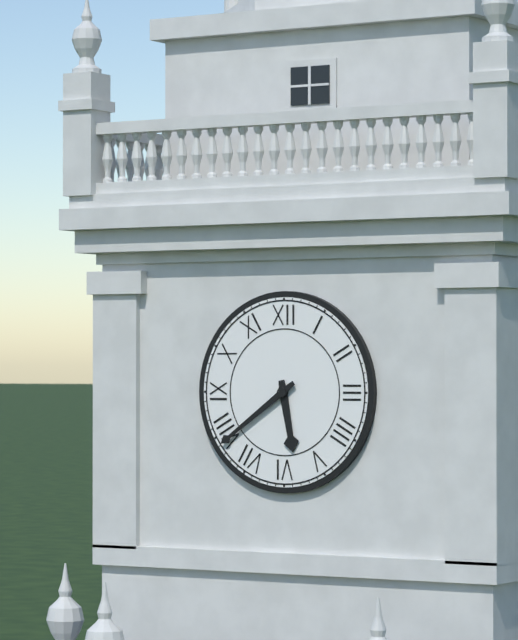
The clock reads 5 h 39 min
